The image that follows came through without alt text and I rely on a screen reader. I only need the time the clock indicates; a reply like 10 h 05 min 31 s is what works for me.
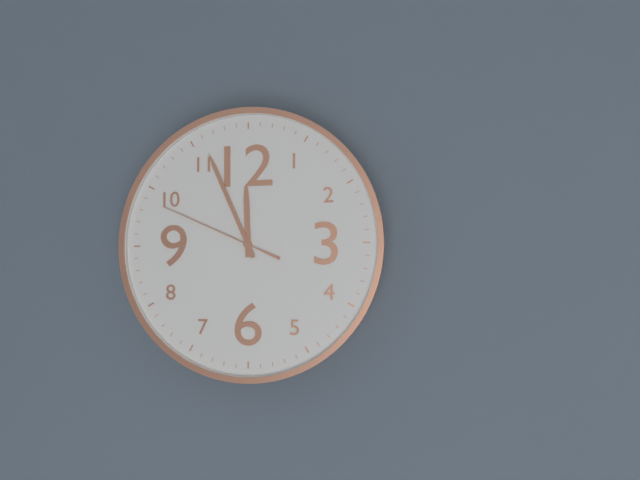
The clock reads 11 h 56 min 49 s
